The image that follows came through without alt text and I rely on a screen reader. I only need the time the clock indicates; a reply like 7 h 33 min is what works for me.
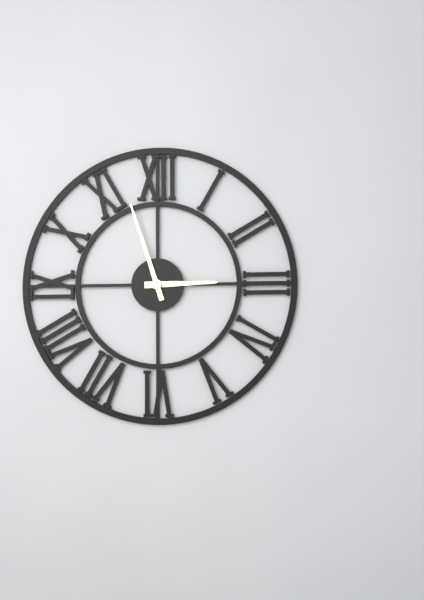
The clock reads 2 h 57 min
